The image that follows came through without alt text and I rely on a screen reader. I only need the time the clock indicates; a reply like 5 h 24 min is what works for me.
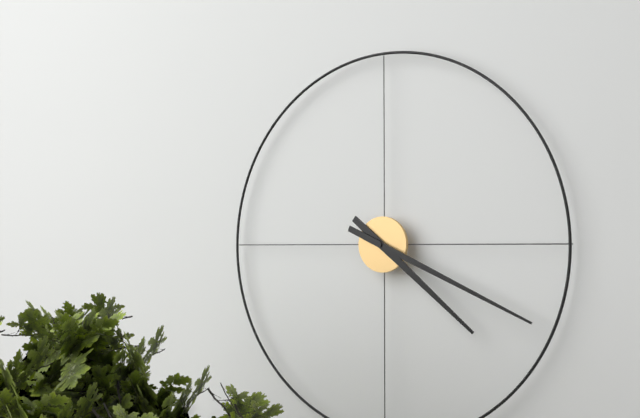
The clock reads 4 h 19 min
